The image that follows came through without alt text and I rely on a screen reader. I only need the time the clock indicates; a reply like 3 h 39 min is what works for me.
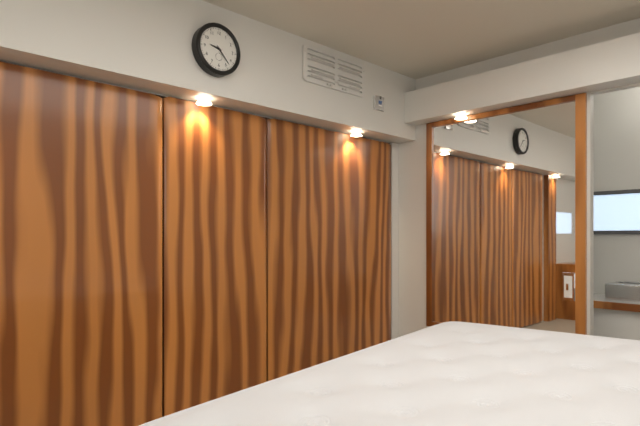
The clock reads 9 h 23 min
